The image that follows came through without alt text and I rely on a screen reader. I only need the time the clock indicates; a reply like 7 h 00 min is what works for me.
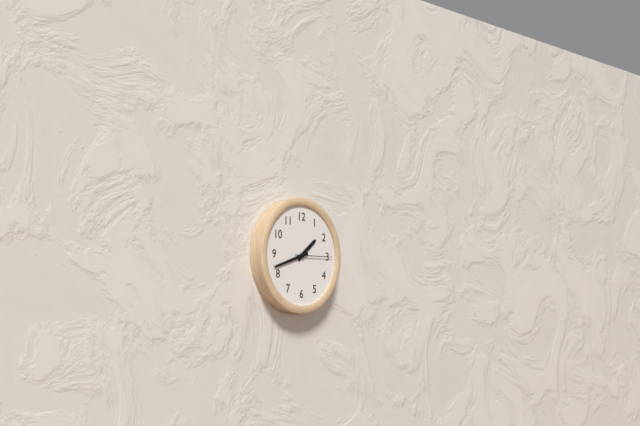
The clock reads 1 h 42 min
